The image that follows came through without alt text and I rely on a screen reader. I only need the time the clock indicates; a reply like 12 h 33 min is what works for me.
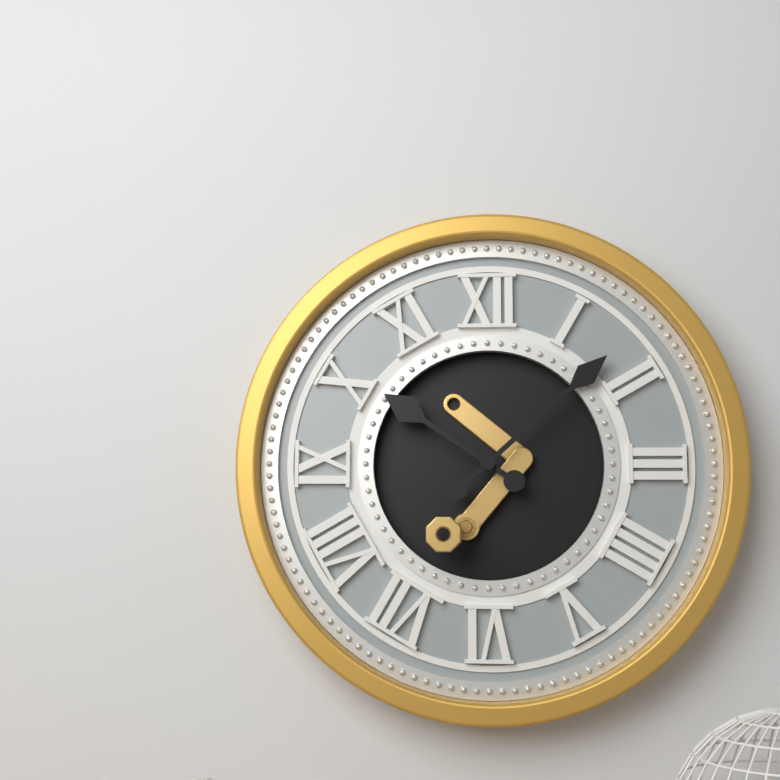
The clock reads 10 h 08 min
